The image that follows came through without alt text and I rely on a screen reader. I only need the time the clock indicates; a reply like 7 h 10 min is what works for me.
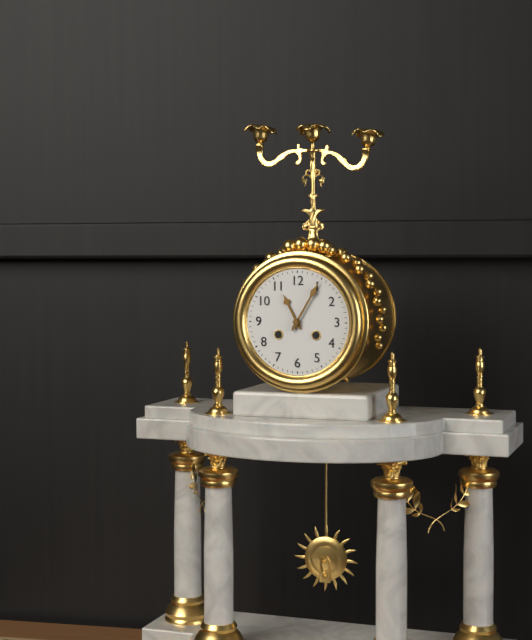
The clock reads 11 h 05 min
